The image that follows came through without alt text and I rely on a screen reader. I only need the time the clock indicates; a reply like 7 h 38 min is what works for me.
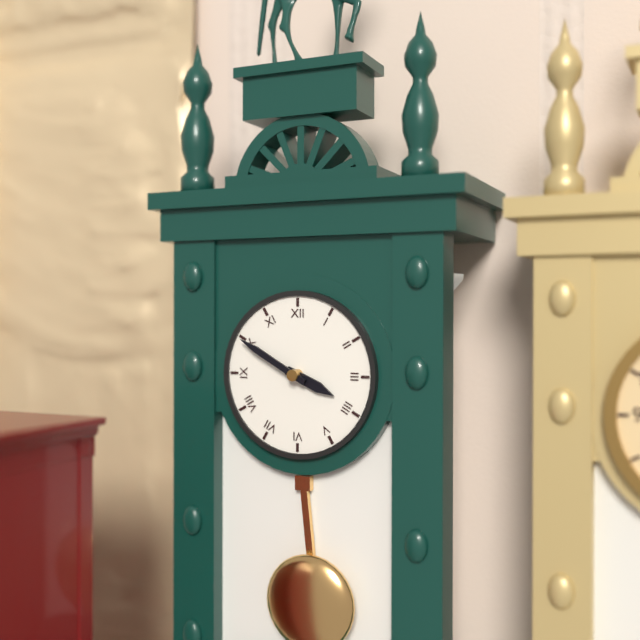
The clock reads 3 h 50 min
